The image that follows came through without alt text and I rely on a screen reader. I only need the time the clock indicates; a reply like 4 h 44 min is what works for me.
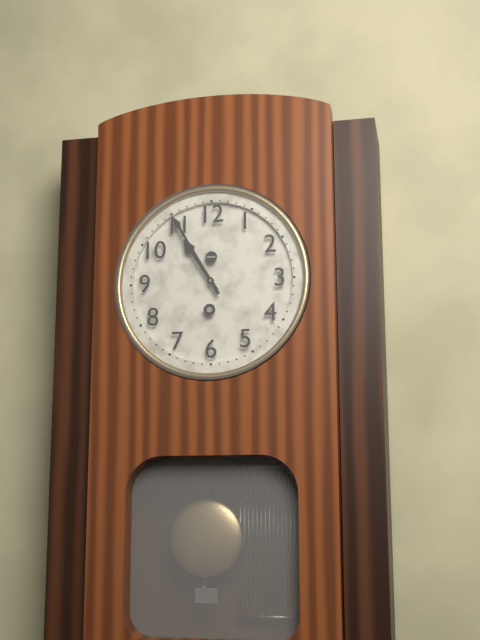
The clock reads 10 h 55 min
